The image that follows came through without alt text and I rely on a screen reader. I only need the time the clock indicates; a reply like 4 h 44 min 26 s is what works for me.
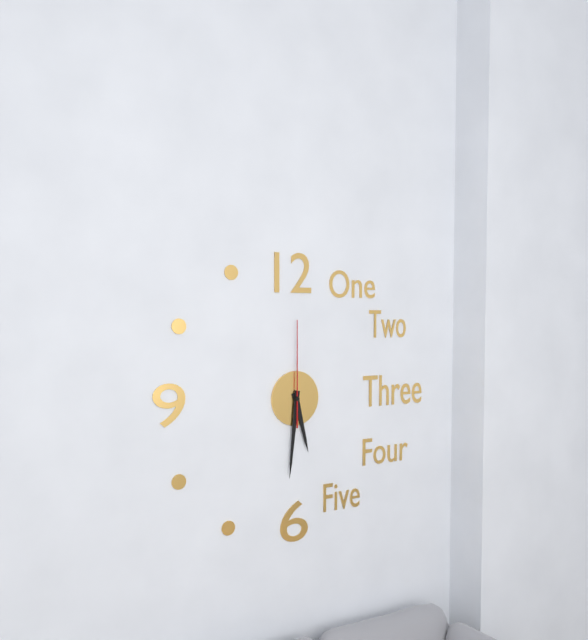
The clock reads 5 h 31 min 00 s
